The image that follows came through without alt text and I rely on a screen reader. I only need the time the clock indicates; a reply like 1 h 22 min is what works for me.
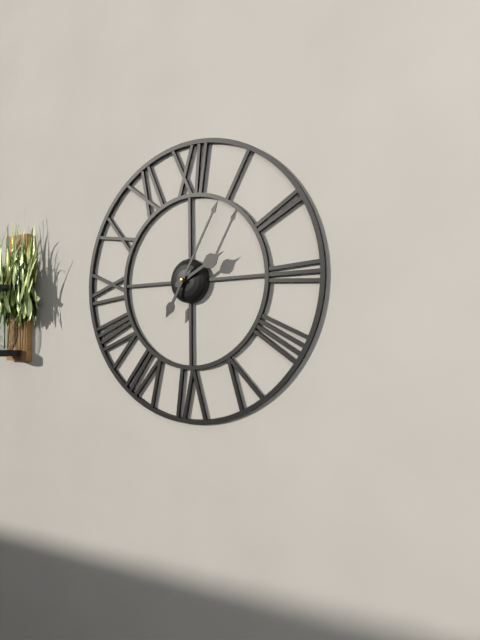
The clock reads 2 h 05 min
